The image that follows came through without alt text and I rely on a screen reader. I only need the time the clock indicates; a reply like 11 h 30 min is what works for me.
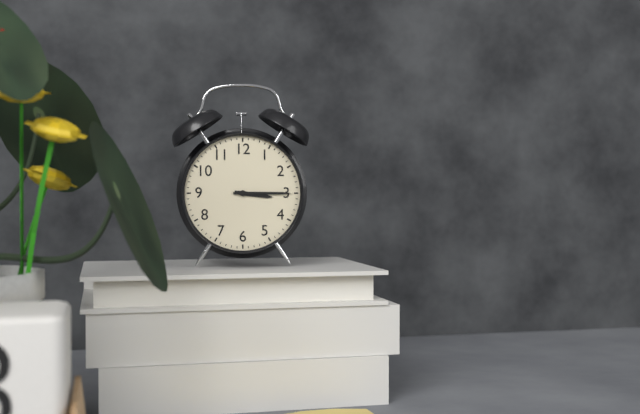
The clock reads 3 h 15 min
